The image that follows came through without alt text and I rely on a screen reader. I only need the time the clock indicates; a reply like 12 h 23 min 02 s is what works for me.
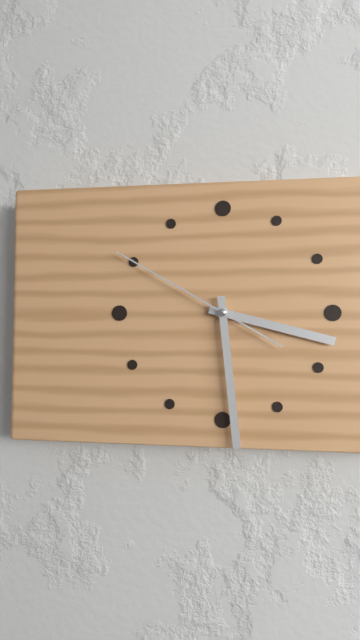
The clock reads 3 h 29 min 50 s
